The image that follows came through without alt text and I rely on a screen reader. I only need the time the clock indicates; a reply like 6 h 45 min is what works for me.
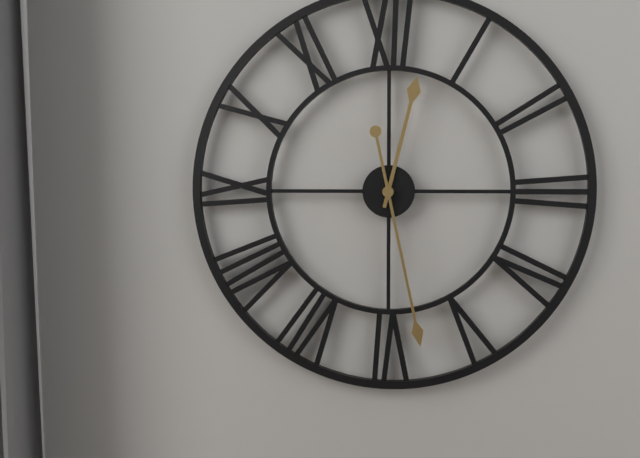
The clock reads 12 h 28 min
